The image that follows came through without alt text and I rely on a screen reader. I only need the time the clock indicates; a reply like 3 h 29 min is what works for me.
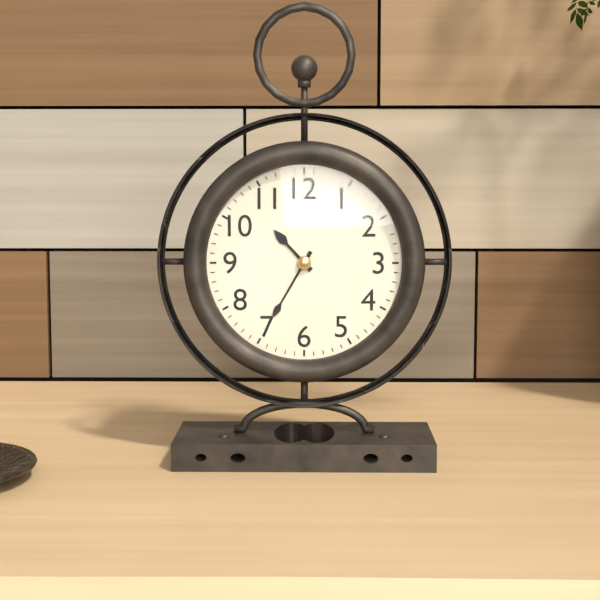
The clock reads 10 h 35 min
